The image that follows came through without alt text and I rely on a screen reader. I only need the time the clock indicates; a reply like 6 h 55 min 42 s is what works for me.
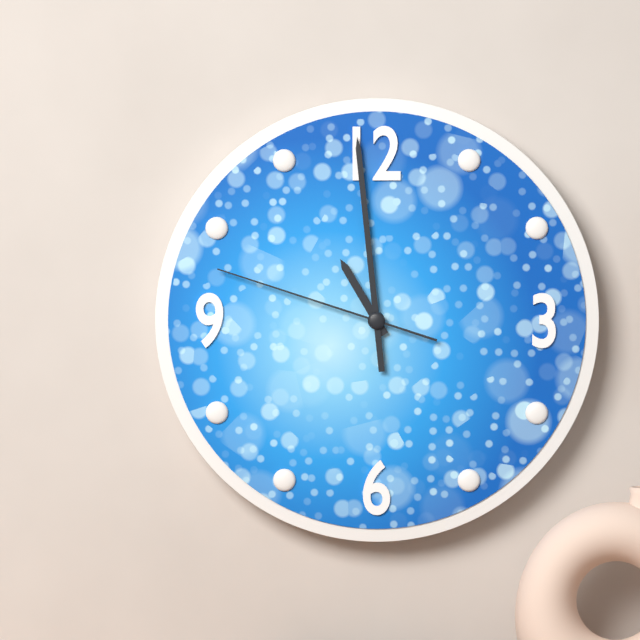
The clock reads 10 h 59 min 48 s
